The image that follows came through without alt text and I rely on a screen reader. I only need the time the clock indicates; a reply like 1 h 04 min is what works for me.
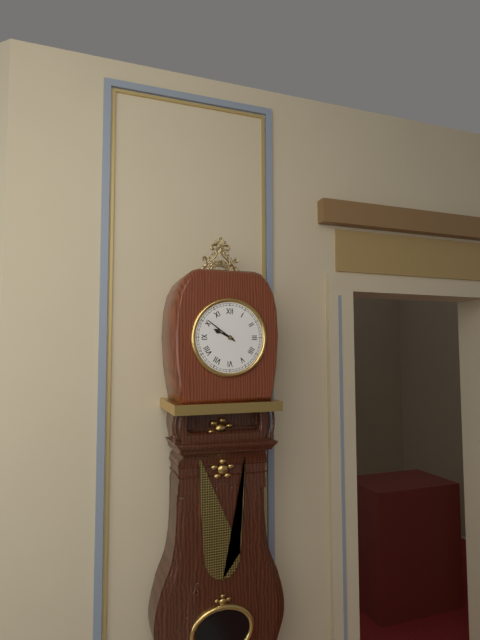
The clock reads 9 h 51 min
